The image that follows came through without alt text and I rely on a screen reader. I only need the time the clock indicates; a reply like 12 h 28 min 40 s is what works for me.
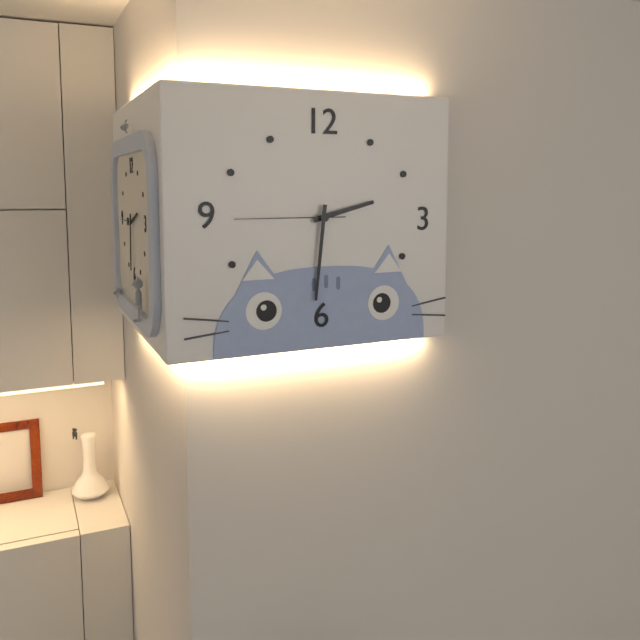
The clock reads 2 h 31 min 45 s
